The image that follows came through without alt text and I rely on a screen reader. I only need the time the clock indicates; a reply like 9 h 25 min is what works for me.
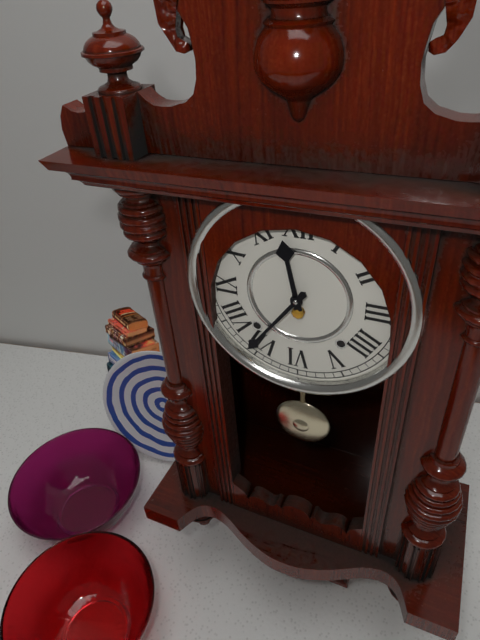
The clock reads 11 h 36 min
